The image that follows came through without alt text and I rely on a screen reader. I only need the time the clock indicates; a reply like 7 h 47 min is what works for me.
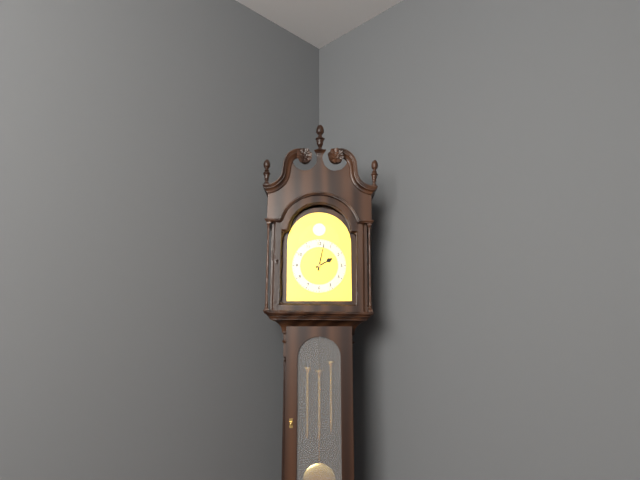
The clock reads 2 h 02 min
